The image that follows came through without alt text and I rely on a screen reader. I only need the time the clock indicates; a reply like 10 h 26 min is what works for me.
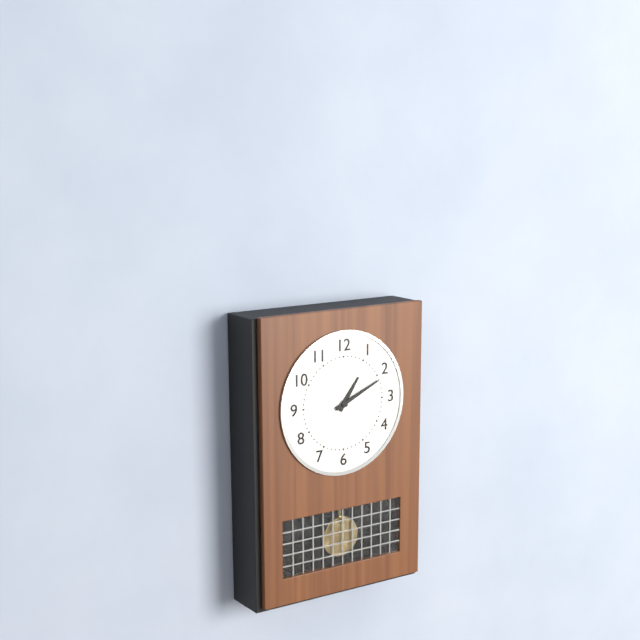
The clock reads 1 h 11 min
